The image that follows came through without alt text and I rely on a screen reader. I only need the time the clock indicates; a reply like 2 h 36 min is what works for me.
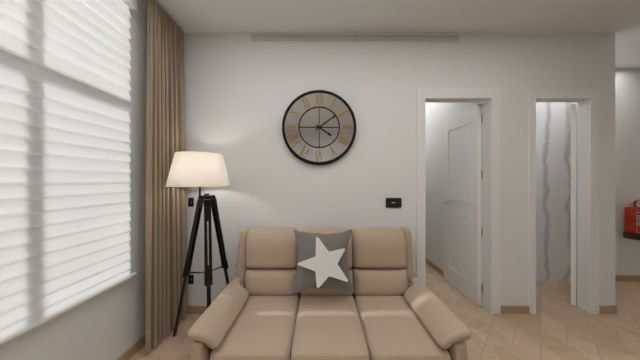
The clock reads 4 h 09 min
